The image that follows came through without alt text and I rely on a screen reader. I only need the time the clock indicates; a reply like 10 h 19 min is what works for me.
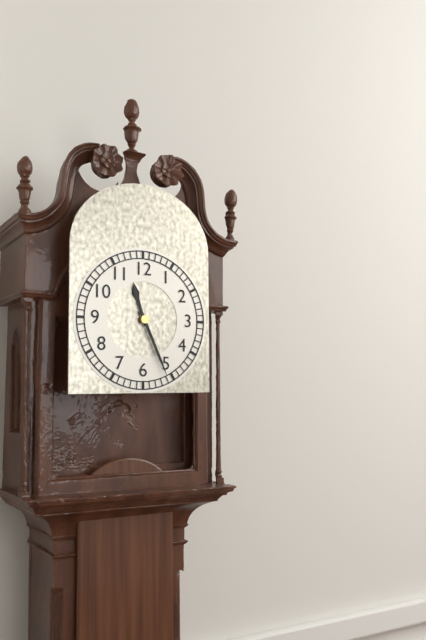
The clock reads 11 h 26 min
